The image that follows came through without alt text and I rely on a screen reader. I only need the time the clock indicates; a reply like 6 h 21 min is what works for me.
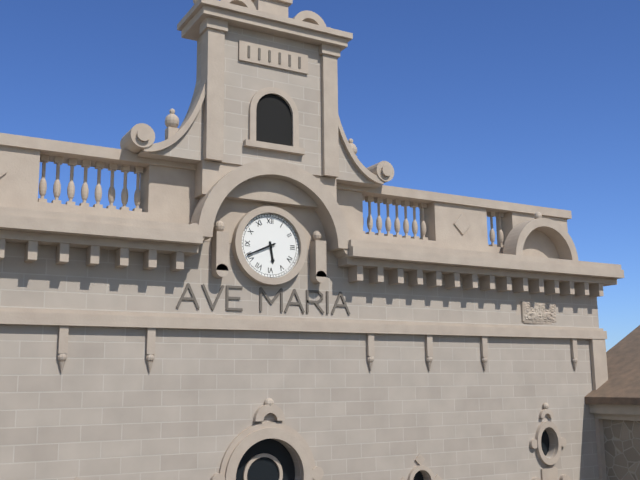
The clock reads 5 h 41 min
